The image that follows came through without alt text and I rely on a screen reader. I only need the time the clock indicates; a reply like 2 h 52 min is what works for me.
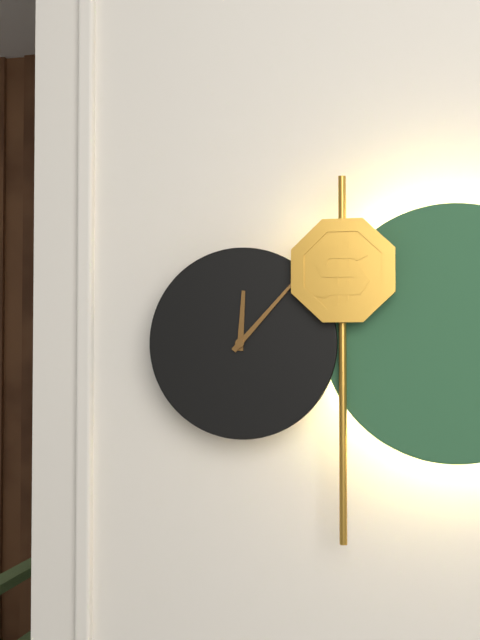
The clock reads 12 h 07 min
